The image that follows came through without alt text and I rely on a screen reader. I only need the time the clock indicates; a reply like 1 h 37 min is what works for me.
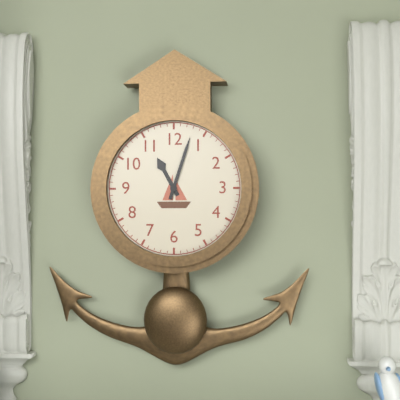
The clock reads 11 h 03 min
